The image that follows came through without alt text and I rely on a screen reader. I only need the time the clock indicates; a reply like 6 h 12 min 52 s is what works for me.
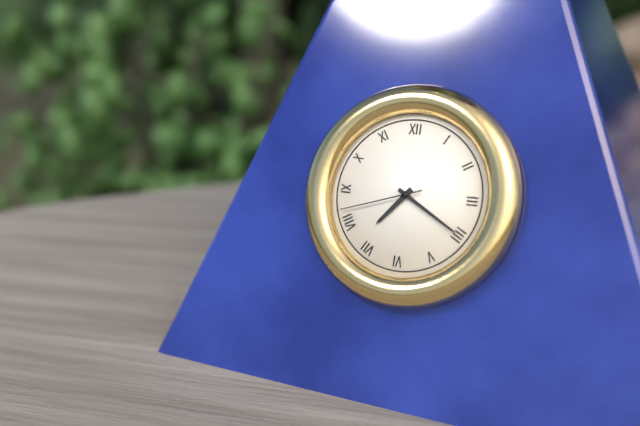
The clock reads 7 h 20 min 42 s
